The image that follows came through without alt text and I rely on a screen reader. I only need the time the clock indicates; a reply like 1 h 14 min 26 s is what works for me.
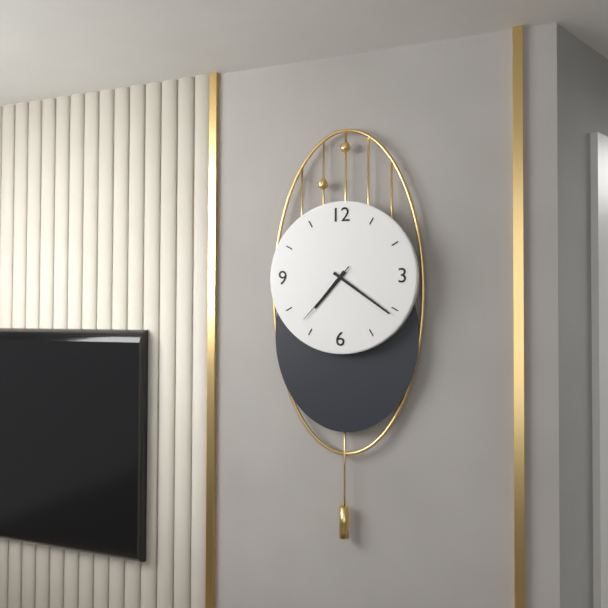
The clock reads 7 h 21 min 37 s
